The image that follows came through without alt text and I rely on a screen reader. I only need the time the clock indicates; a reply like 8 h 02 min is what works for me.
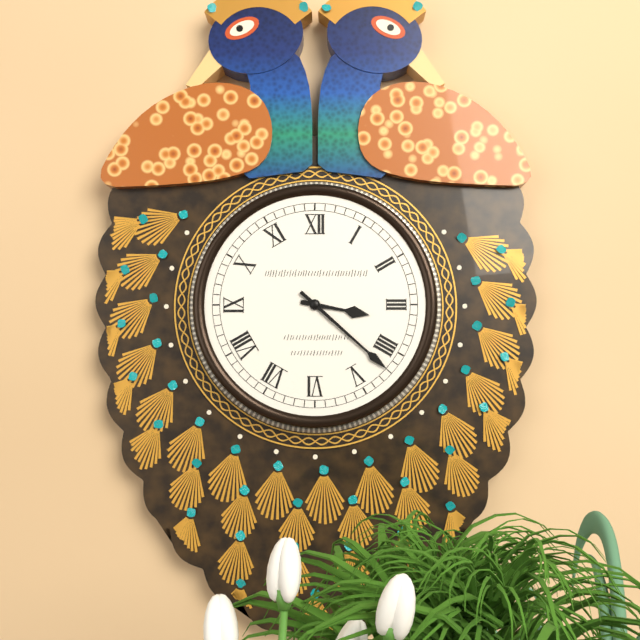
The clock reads 3 h 22 min
